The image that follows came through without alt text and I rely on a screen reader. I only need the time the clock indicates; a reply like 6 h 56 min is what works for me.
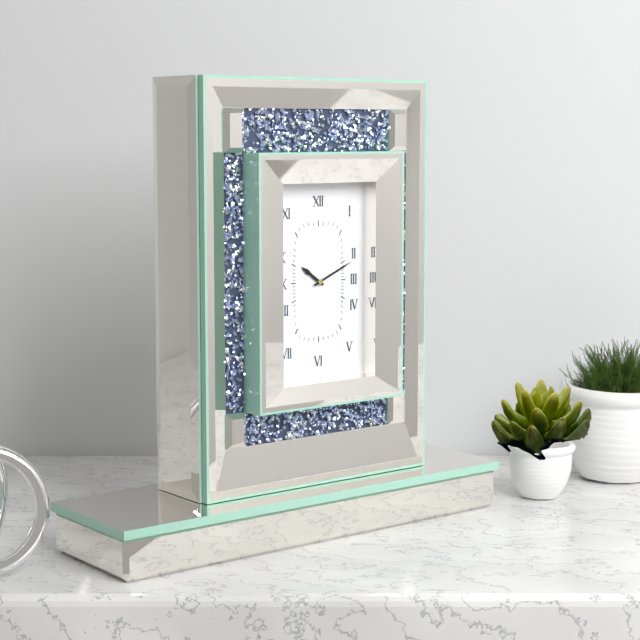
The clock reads 10 h 11 min
